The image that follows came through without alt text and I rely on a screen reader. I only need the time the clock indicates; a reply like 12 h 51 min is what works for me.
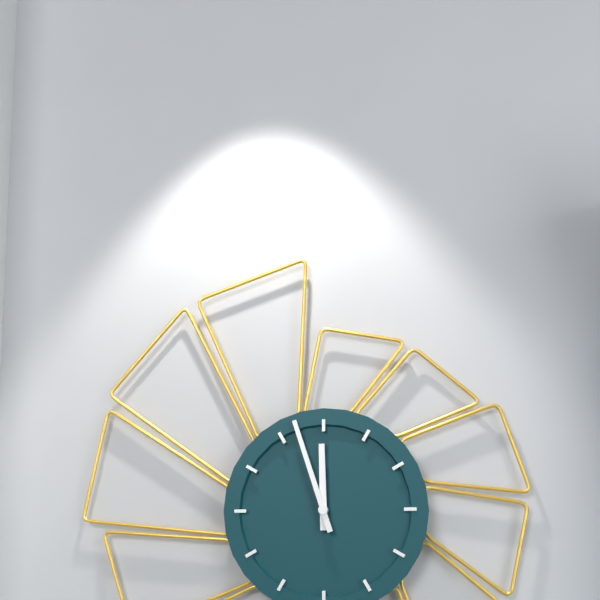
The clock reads 11 h 57 min
